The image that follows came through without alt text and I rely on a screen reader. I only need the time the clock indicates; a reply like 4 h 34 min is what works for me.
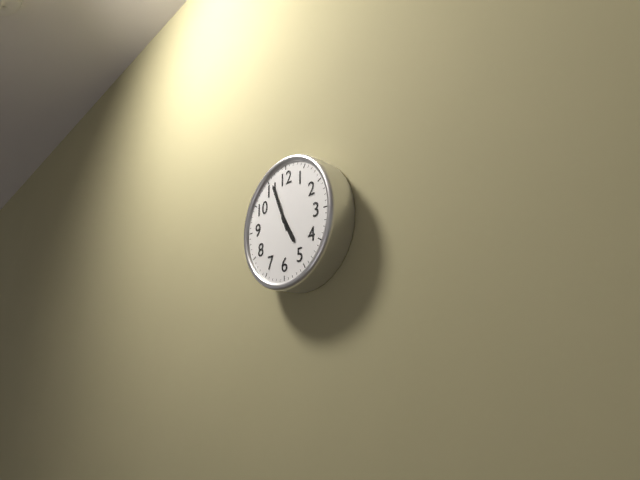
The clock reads 4 h 56 min
